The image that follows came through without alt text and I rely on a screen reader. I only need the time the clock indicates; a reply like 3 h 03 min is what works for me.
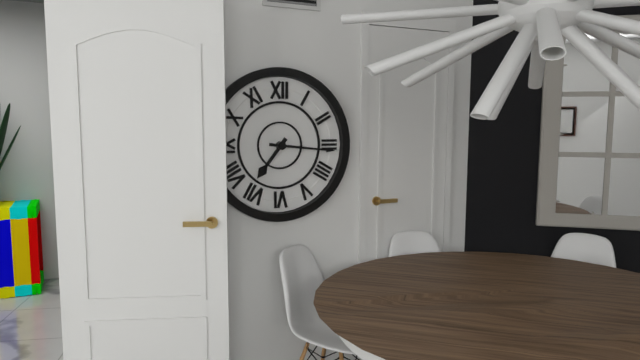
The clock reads 7 h 16 min
